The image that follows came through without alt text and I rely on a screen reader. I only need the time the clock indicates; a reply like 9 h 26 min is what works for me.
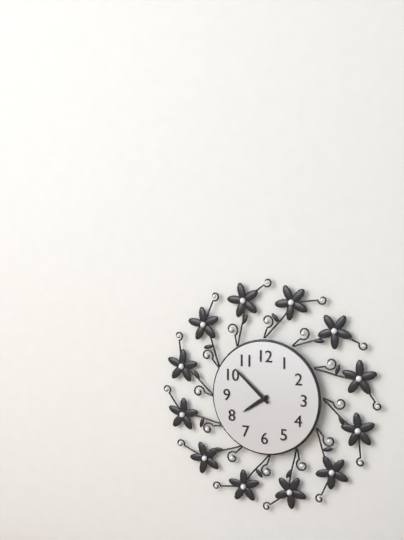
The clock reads 7 h 52 min
